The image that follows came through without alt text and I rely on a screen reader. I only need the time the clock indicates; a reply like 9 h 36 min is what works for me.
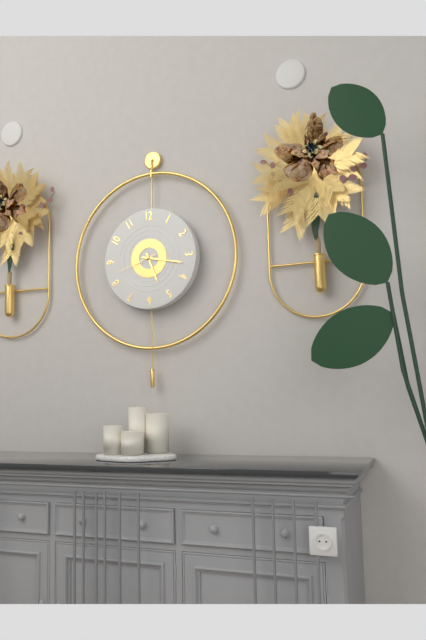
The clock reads 5 h 17 min
